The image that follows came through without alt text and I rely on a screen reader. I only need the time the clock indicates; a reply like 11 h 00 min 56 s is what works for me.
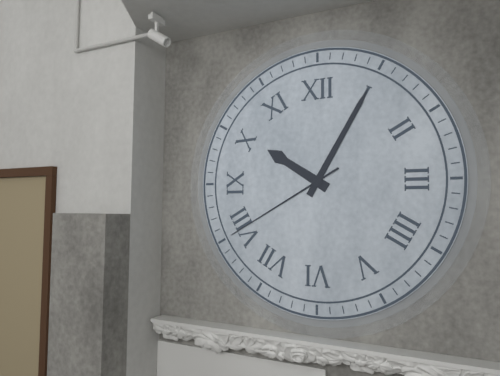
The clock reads 10 h 05 min 40 s
